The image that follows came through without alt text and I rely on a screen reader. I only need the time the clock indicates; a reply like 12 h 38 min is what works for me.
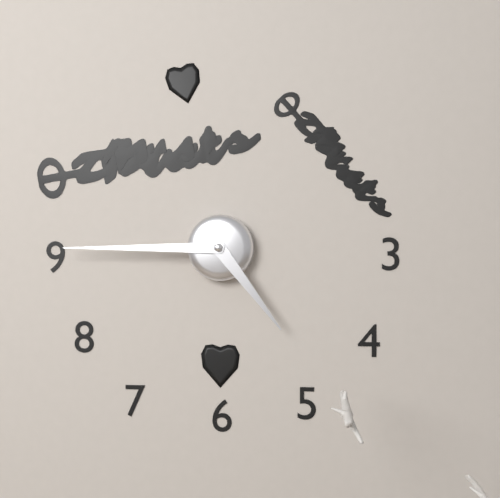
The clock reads 4 h 45 min
